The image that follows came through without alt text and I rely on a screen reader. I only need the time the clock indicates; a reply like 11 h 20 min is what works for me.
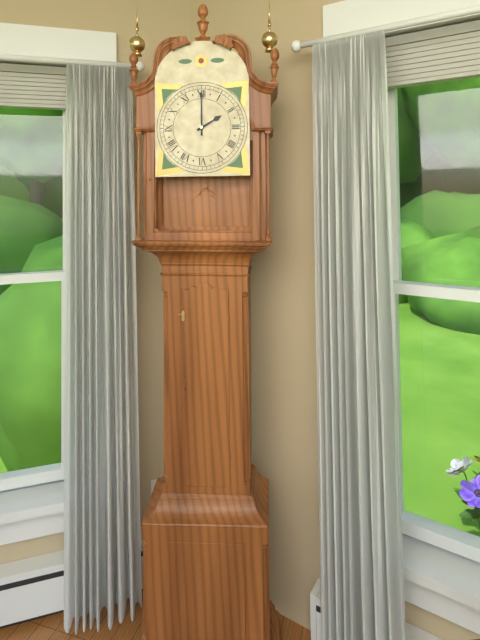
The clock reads 2 h 00 min
